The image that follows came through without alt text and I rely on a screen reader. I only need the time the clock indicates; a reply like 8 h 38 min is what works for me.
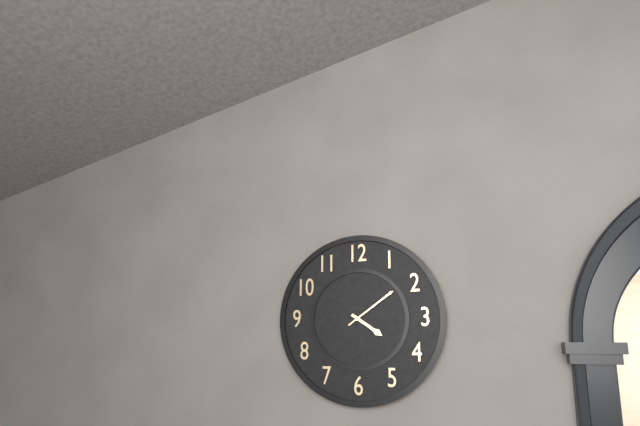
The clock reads 4 h 09 min
